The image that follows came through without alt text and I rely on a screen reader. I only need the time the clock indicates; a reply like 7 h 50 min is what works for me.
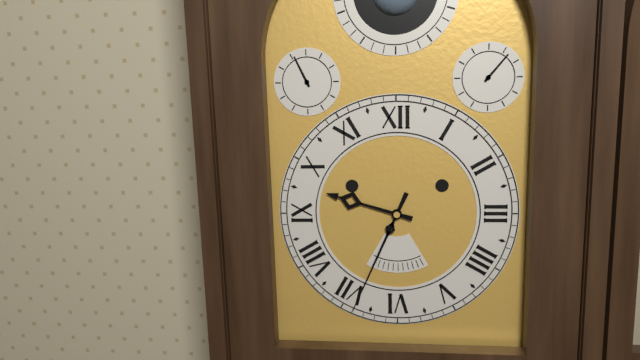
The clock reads 9 h 34 min
